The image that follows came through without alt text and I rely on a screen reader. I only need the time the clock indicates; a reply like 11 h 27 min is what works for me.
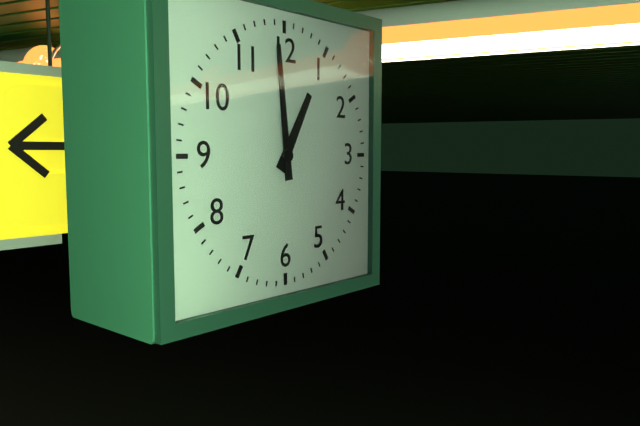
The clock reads 12 h 59 min
